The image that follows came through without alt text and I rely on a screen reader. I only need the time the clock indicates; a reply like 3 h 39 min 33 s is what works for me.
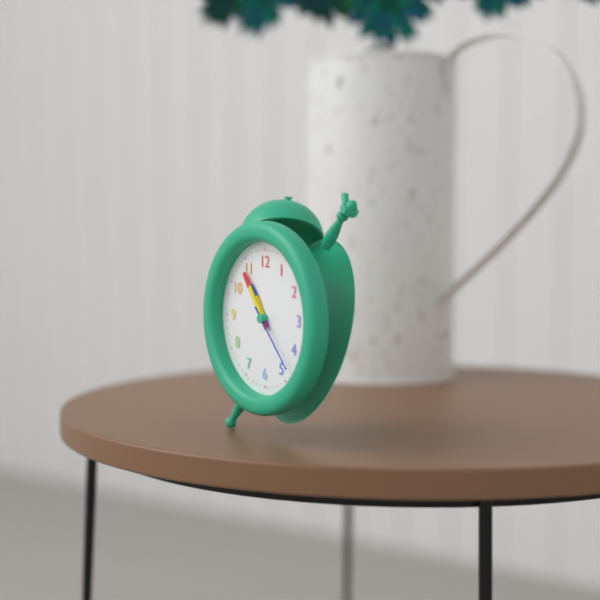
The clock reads 10 h 54 min 23 s
